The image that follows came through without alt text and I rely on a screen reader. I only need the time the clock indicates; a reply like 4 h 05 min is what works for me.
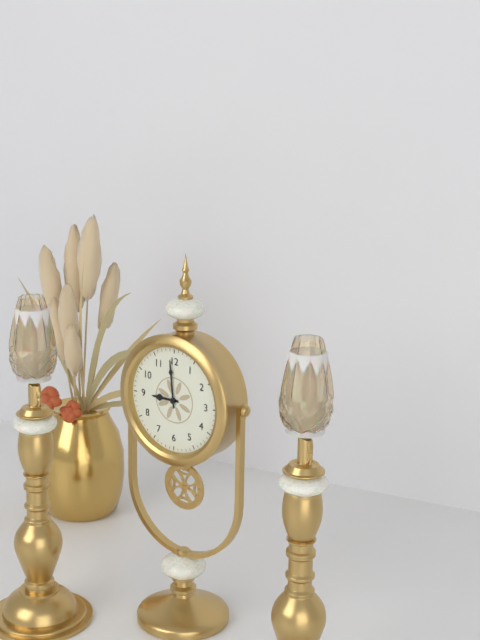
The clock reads 8 h 59 min
